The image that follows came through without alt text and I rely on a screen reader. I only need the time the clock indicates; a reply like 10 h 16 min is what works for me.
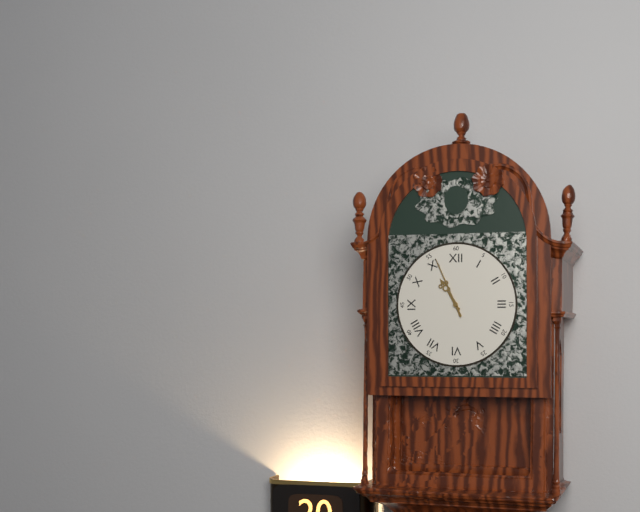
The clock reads 10 h 56 min
